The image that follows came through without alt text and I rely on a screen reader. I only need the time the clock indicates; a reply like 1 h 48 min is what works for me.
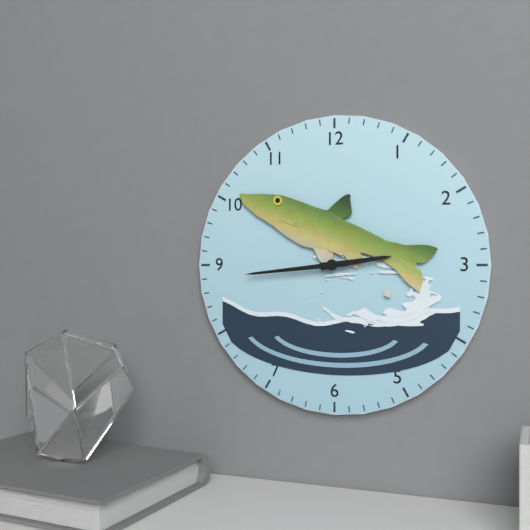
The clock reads 2 h 44 min
